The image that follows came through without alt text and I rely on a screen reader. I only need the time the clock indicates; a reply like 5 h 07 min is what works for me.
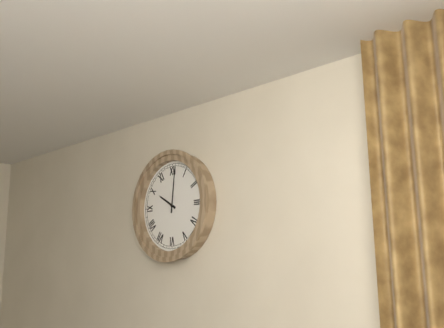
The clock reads 10 h 01 min
